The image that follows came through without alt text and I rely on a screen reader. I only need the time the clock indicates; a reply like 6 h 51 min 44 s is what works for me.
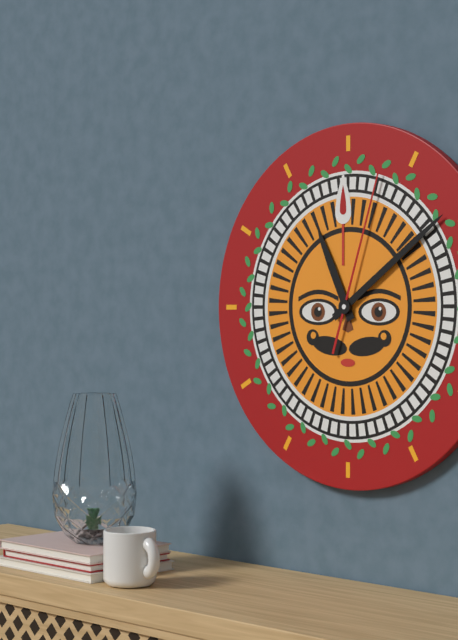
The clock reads 11 h 09 min 03 s
